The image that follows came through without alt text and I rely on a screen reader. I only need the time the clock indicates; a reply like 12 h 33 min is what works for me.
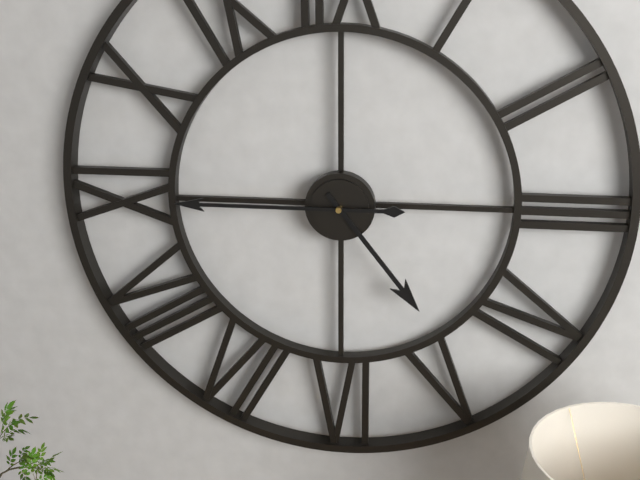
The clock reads 4 h 45 min
